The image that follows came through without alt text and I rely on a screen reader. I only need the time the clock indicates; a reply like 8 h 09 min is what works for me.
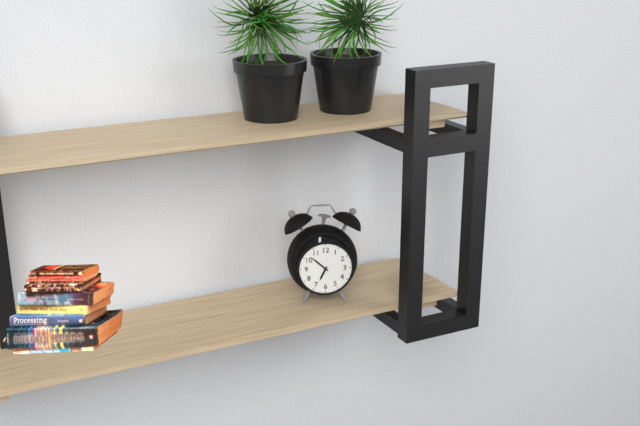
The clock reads 6 h 52 min
